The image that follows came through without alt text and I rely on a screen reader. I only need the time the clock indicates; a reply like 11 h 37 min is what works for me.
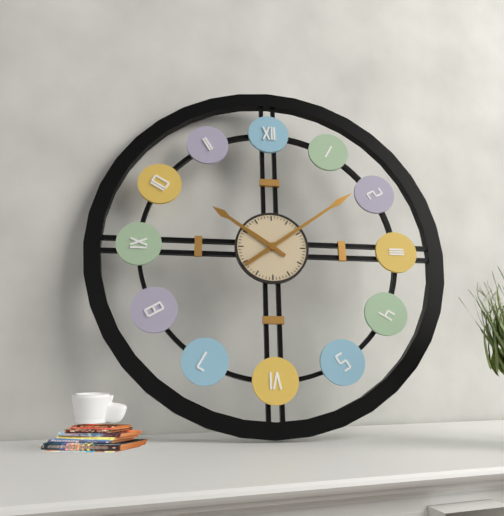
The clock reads 10 h 09 min
